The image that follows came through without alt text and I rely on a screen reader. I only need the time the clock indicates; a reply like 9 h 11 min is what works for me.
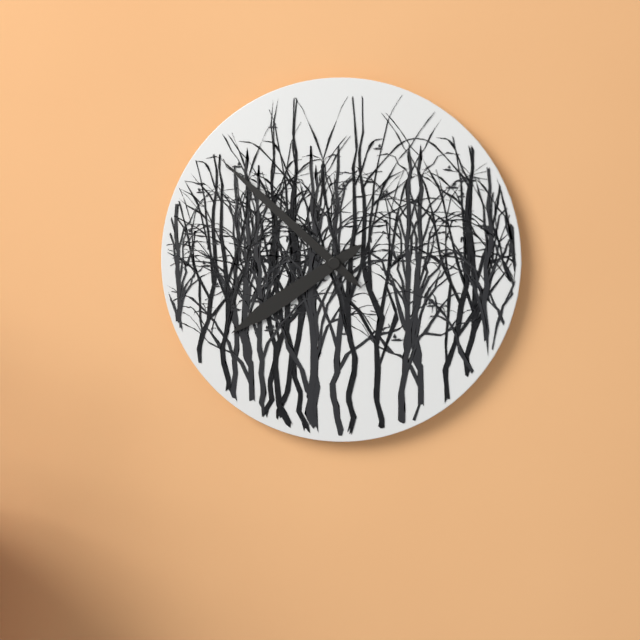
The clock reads 7 h 52 min
